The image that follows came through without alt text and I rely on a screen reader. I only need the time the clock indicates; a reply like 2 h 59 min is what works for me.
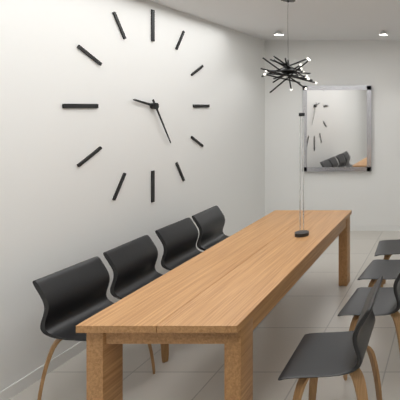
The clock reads 9 h 25 min
